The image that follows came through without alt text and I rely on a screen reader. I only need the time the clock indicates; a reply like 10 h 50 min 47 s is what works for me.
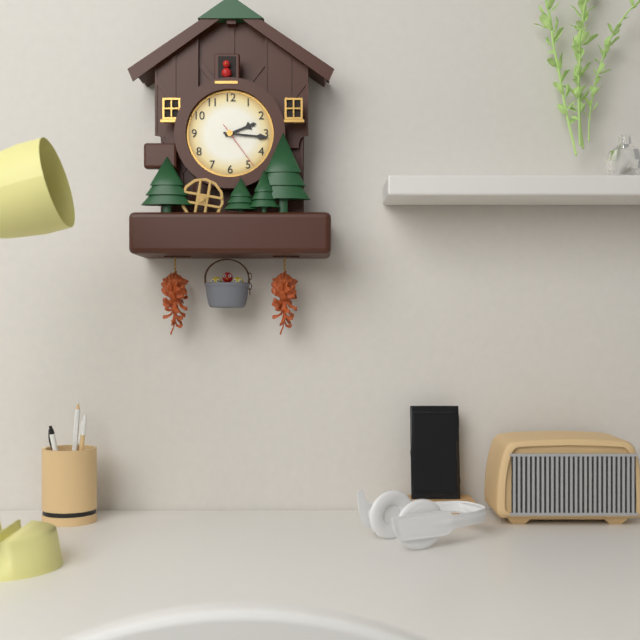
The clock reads 2 h 16 min 24 s
